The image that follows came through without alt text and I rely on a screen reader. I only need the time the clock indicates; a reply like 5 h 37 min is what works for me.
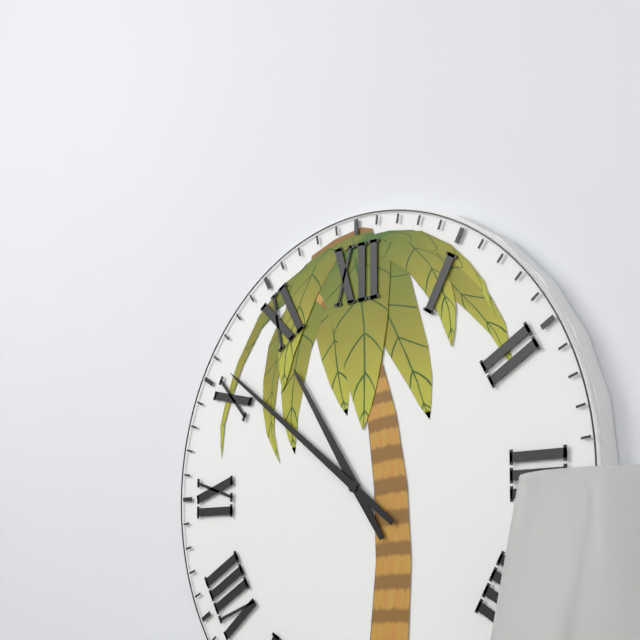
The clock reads 10 h 51 min
